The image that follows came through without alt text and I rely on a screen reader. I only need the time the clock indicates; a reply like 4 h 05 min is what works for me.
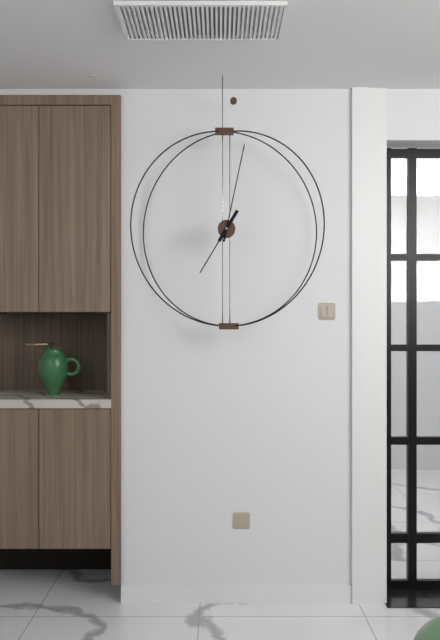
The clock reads 7 h 02 min
